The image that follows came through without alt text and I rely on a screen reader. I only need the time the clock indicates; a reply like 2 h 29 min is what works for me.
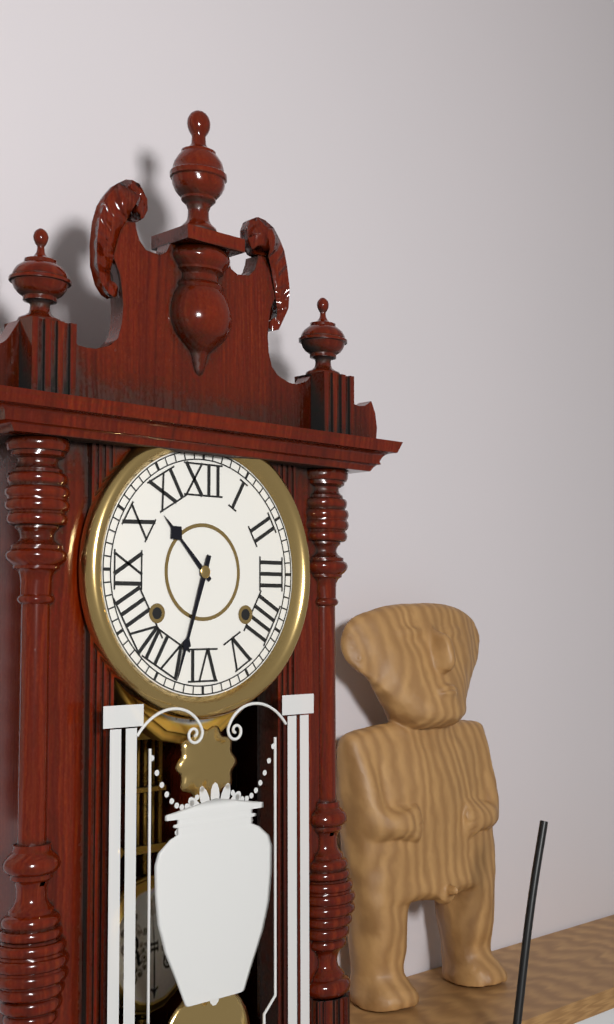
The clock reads 10 h 33 min
